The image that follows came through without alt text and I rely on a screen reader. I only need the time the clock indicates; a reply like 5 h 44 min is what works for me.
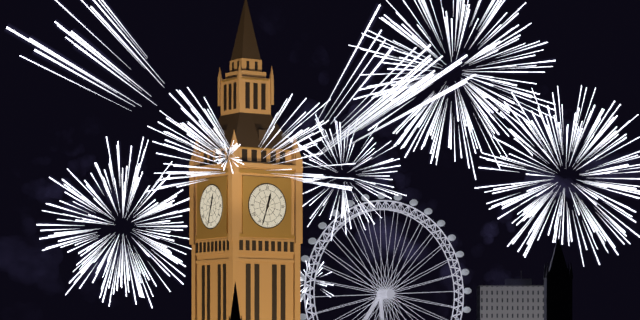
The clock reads 12 h 33 min
